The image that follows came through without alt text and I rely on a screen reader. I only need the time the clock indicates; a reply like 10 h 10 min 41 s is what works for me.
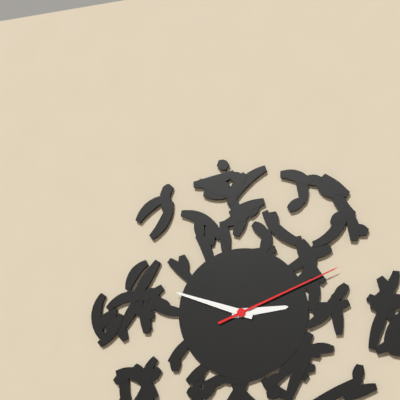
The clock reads 2 h 48 min 11 s
